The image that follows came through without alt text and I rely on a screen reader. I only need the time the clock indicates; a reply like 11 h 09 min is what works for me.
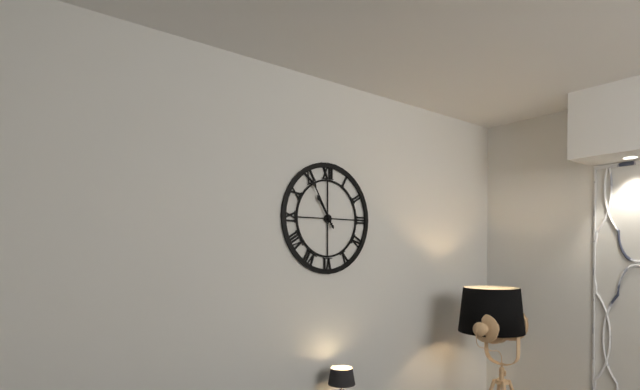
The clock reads 10 h 55 min
